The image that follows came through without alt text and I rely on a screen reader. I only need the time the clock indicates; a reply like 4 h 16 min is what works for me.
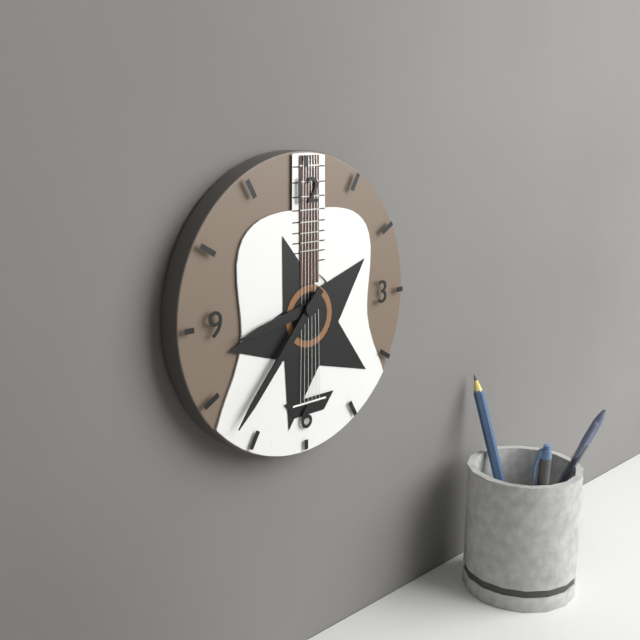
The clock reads 8 h 37 min
